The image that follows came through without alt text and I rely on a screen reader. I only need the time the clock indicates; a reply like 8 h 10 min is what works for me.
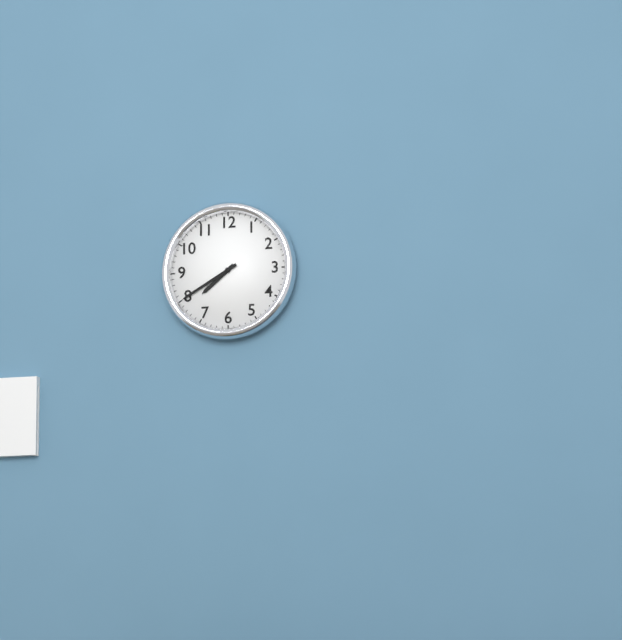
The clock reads 7 h 40 min
